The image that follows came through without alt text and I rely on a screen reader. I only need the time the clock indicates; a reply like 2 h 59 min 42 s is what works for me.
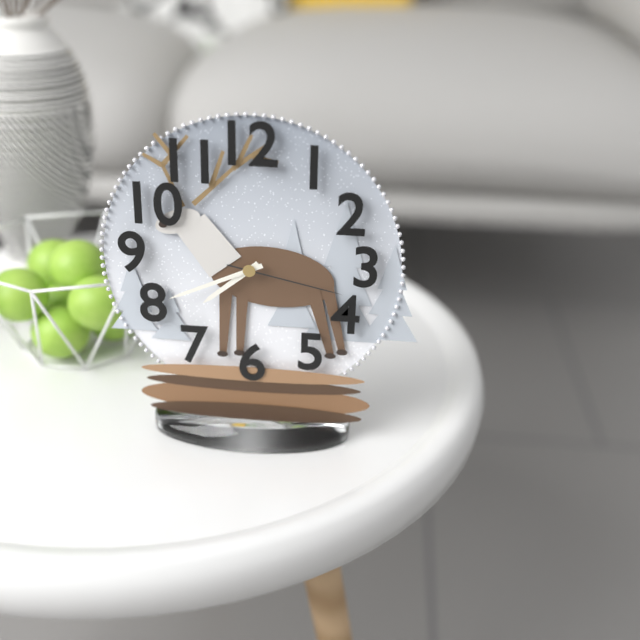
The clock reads 7 h 41 min 17 s
